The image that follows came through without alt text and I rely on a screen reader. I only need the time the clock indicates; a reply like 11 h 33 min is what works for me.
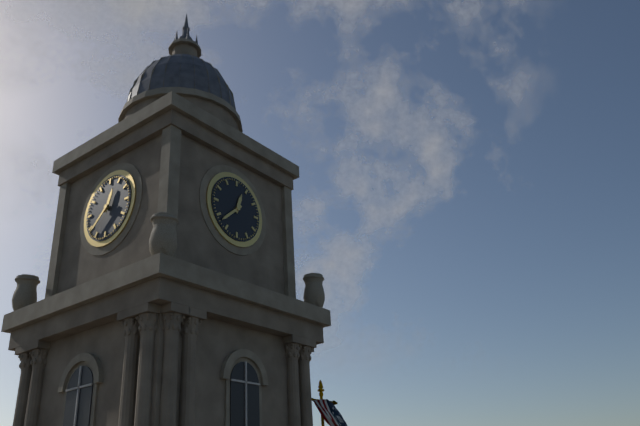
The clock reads 12 h 38 min
